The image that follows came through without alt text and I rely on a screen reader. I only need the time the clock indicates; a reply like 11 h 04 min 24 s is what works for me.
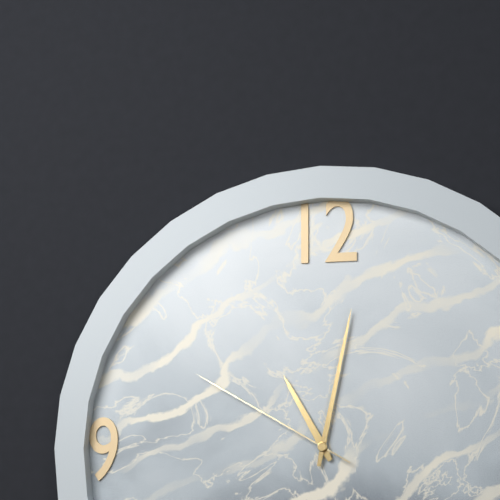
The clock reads 11 h 02 min 50 s
